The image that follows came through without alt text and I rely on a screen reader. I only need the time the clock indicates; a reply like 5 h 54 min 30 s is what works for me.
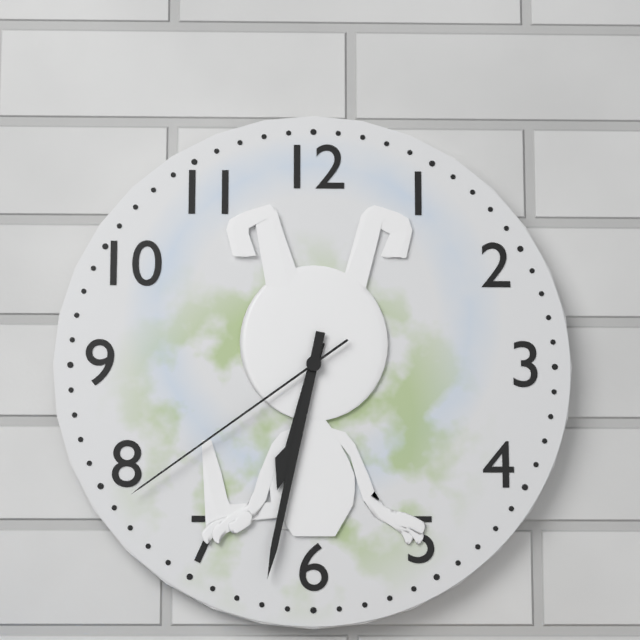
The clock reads 6 h 32 min 39 s
